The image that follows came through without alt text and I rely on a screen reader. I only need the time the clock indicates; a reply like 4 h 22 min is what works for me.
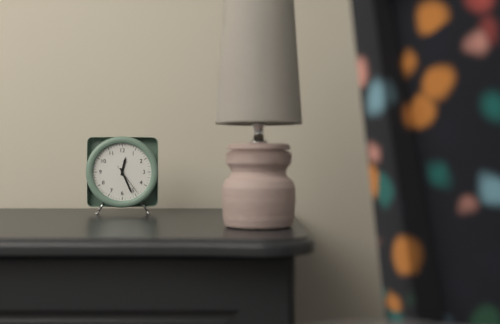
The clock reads 12 h 26 min
